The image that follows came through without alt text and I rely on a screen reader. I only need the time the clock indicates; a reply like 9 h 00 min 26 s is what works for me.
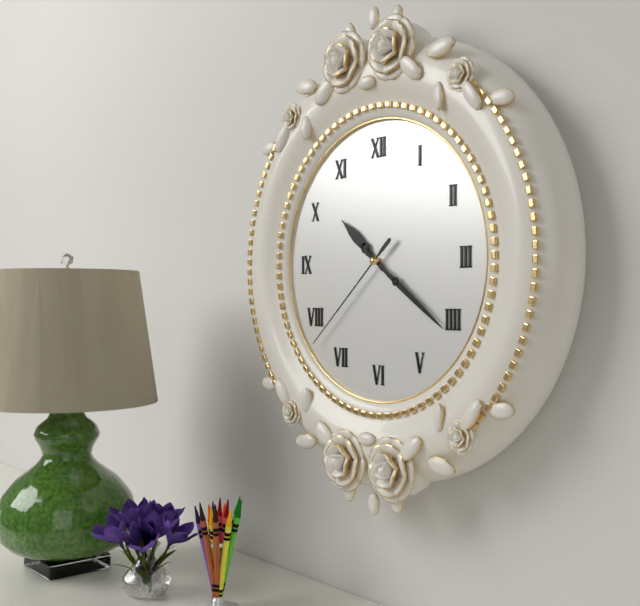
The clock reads 10 h 21 min 38 s
